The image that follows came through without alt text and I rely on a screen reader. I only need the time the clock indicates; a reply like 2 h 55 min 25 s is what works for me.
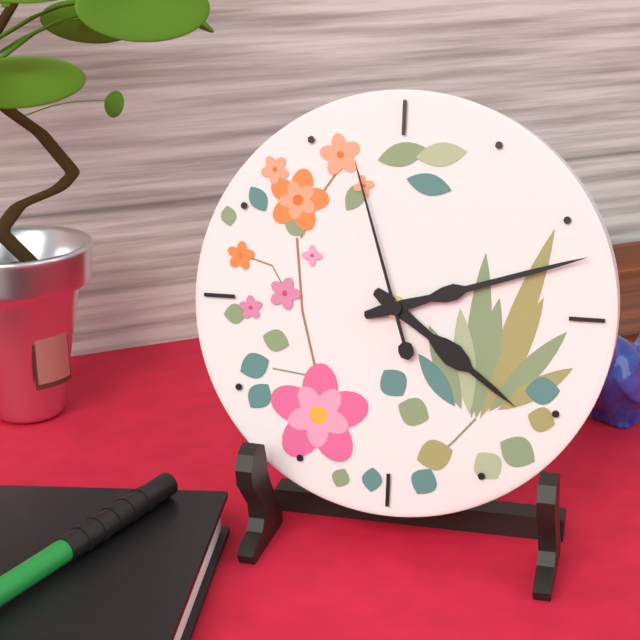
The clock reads 4 h 12 min 57 s
